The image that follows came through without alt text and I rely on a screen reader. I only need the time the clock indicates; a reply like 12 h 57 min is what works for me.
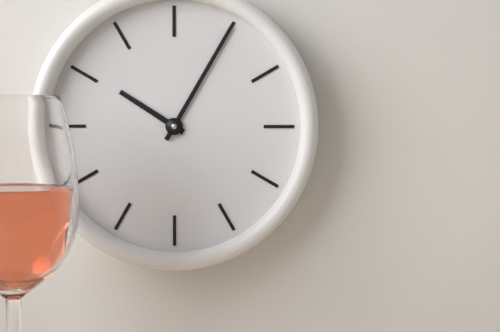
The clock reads 10 h 05 min
